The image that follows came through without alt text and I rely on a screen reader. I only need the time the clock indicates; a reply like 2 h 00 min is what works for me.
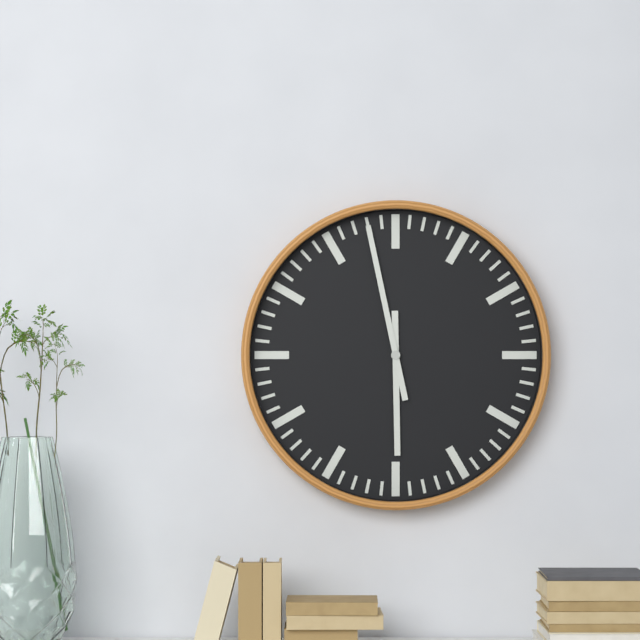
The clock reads 5 h 58 min
